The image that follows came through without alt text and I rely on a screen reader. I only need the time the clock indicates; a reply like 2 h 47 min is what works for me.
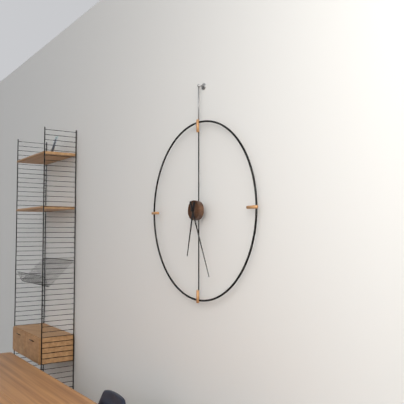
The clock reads 6 h 26 min
